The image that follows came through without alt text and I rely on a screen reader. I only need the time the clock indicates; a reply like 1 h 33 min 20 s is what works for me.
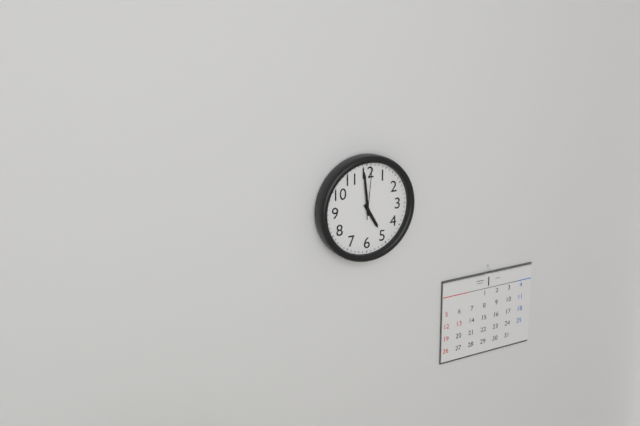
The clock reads 4 h 59 min 01 s
